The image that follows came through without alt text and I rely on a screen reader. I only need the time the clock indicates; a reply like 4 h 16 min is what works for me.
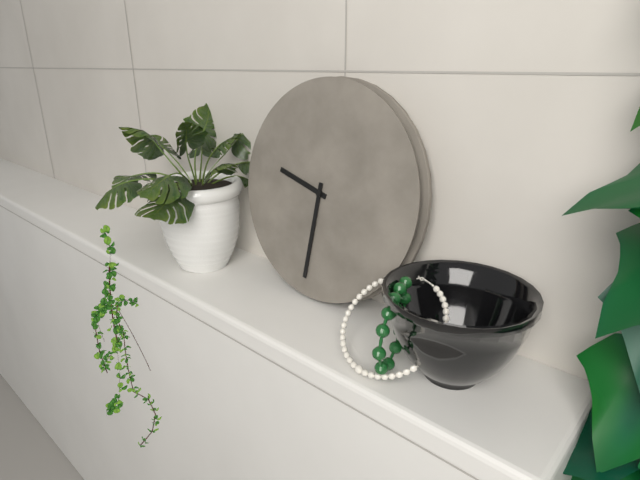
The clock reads 9 h 31 min
